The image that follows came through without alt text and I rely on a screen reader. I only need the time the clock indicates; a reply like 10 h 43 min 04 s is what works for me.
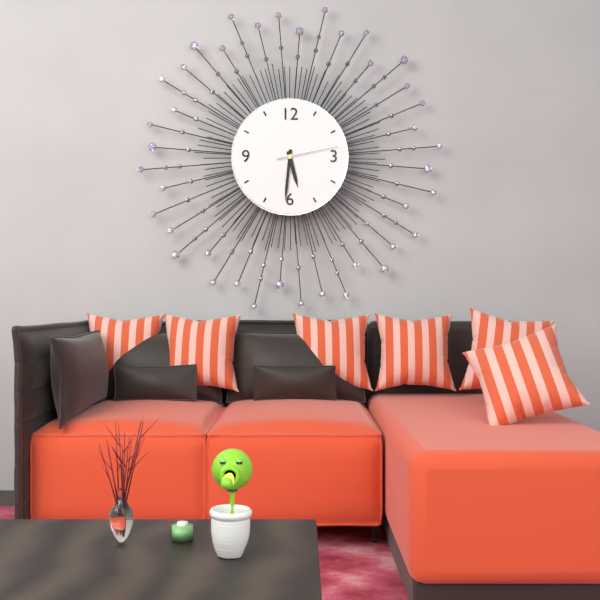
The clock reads 5 h 31 min 13 s
